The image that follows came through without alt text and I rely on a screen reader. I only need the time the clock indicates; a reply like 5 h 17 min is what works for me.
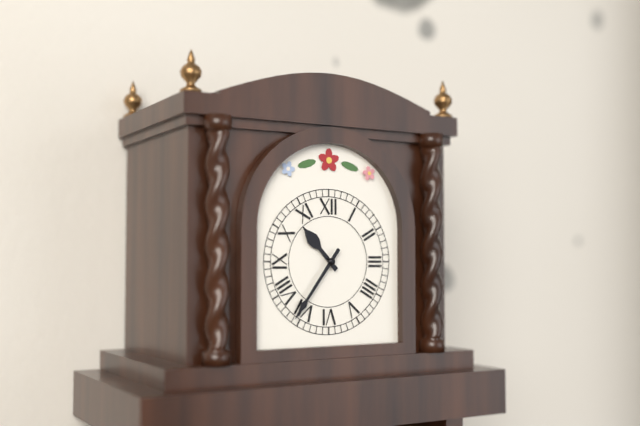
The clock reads 10 h 36 min
